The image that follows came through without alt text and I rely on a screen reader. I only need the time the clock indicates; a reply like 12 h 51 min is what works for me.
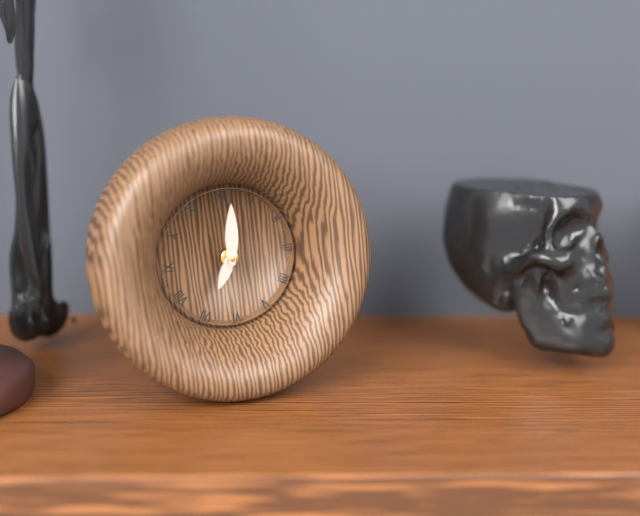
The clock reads 7 h 01 min
